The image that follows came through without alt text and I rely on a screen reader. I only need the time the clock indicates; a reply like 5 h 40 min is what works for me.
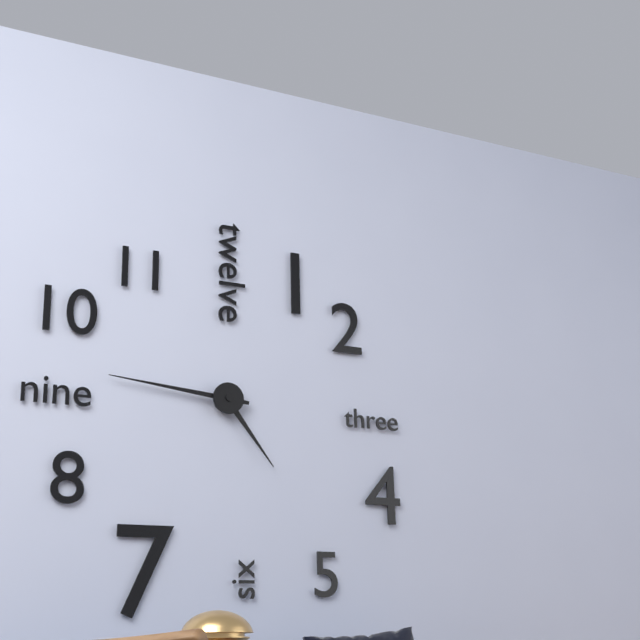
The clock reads 4 h 46 min
